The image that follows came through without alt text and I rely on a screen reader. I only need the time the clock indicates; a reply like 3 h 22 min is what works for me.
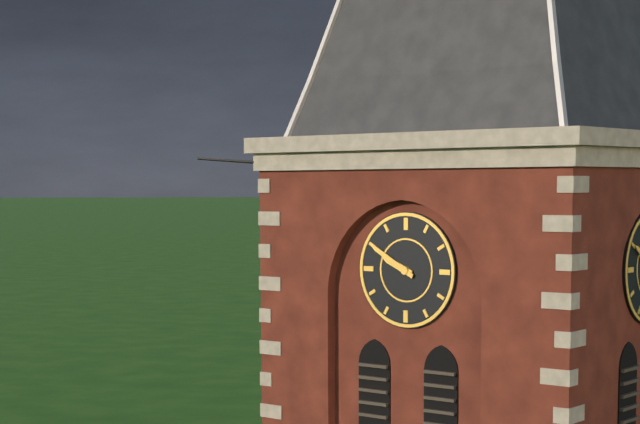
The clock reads 9 h 50 min
